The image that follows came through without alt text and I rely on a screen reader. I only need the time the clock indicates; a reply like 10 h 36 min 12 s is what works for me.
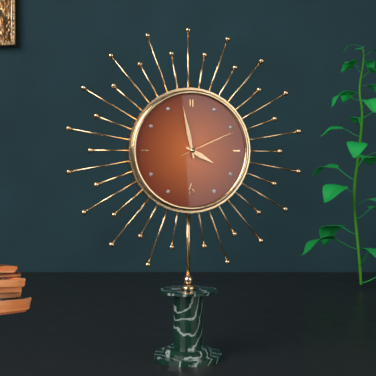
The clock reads 3 h 58 min 11 s
